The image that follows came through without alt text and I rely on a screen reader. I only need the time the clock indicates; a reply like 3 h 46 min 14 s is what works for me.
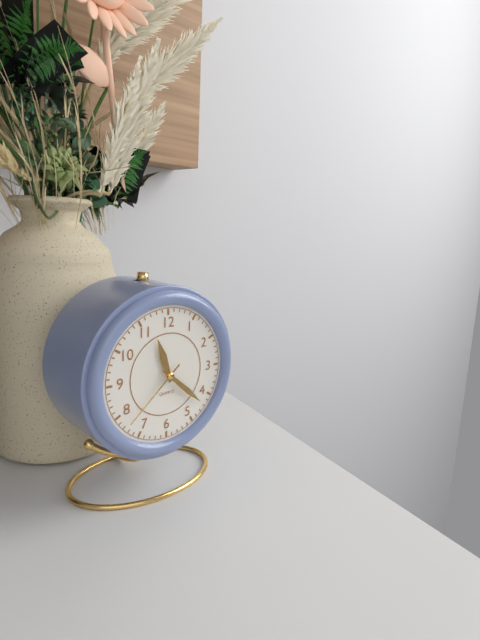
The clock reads 11 h 22 min 38 s
